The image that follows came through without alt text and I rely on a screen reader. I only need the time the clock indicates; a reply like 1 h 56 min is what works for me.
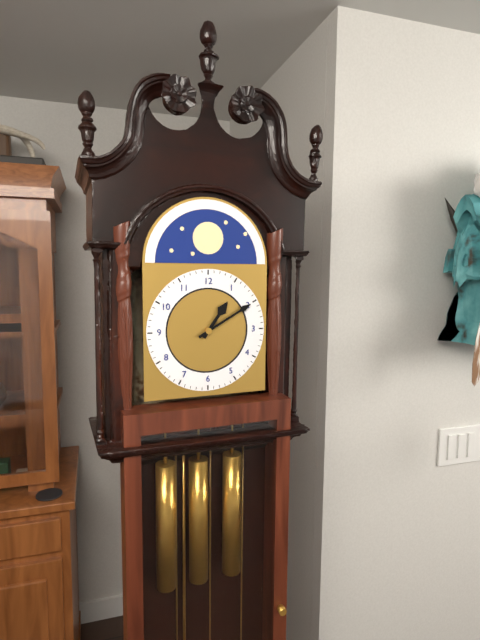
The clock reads 1 h 10 min
